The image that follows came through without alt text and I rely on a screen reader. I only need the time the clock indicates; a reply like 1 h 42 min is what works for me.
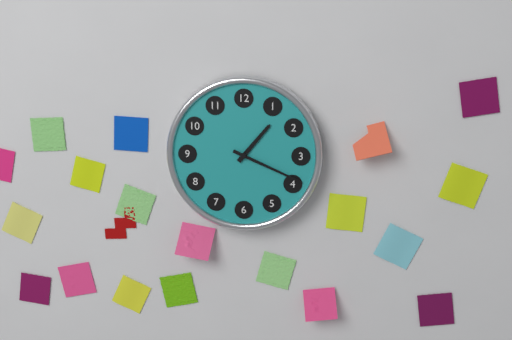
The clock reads 1 h 19 min
